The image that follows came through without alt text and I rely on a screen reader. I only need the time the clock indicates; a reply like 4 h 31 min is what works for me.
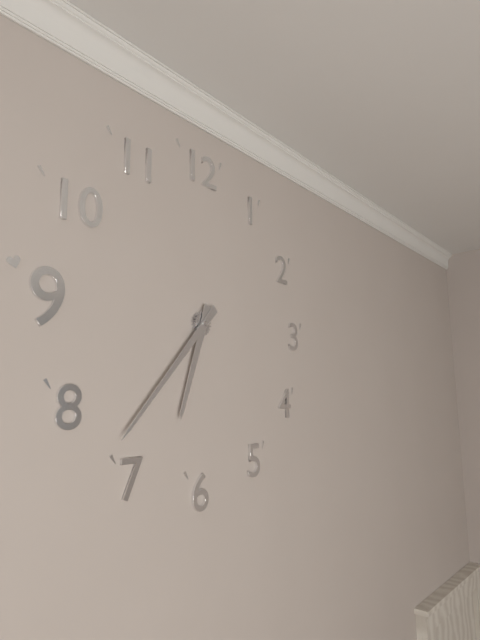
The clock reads 6 h 37 min
